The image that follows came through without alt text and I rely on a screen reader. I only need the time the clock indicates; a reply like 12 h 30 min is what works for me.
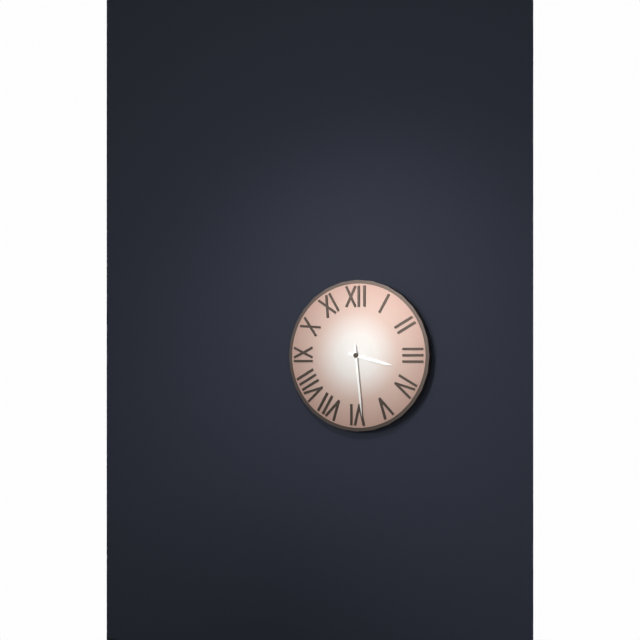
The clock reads 3 h 29 min
